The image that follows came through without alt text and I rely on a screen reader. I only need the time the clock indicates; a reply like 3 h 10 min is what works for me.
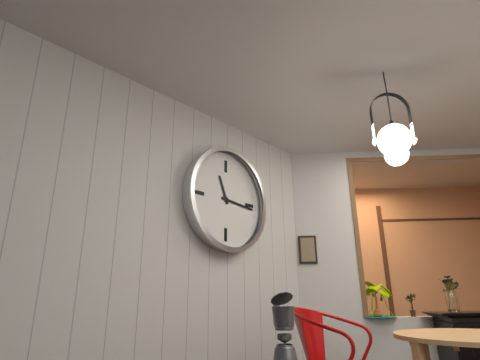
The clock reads 11 h 16 min
